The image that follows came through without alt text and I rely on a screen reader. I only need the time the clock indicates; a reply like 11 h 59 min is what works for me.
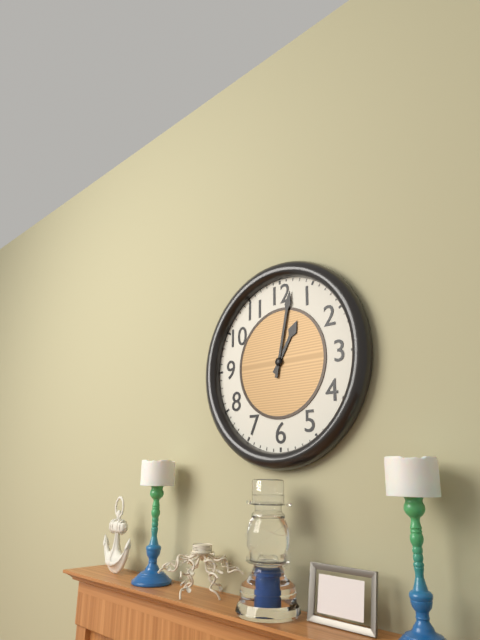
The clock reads 1 h 02 min
